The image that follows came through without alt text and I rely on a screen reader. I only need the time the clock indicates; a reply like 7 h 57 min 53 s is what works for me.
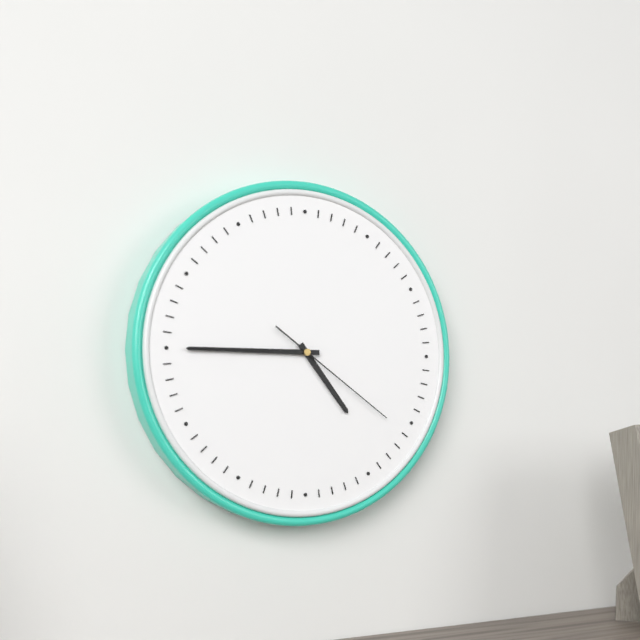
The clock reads 4 h 45 min 21 s
